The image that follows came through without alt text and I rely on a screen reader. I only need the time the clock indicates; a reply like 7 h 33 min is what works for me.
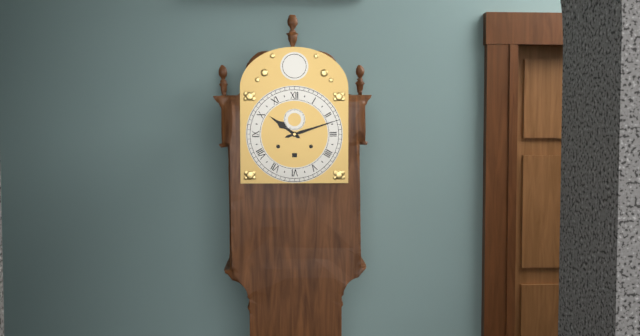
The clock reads 10 h 12 min
